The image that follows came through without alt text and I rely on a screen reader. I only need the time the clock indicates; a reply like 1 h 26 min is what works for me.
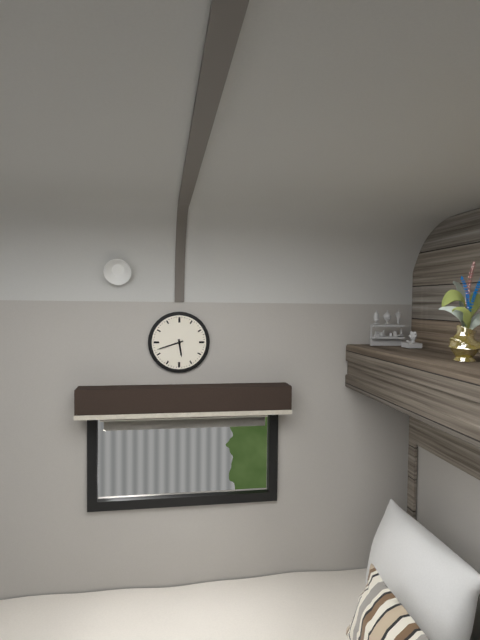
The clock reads 5 h 42 min
